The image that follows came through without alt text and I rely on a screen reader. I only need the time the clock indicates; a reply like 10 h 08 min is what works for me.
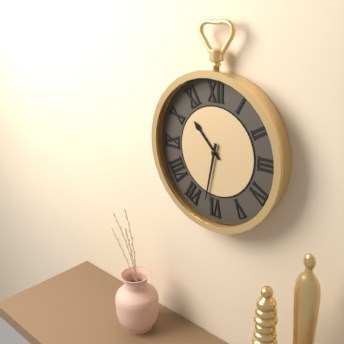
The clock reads 10 h 32 min
